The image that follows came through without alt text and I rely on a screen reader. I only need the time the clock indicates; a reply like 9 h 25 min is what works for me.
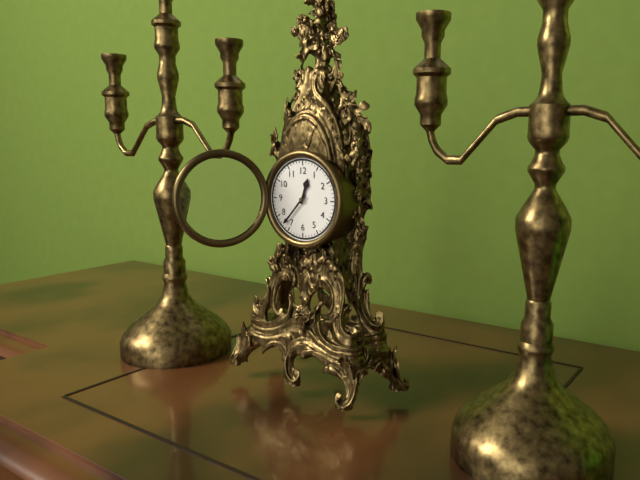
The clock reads 12 h 37 min
